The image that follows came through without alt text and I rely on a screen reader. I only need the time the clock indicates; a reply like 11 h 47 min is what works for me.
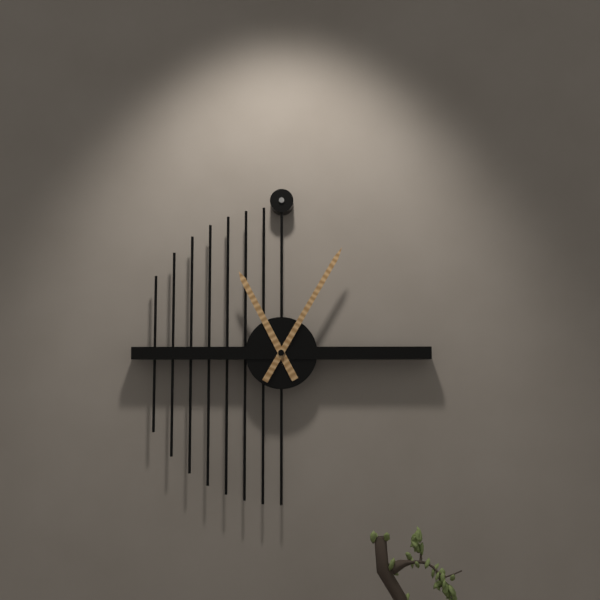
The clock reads 11 h 05 min
